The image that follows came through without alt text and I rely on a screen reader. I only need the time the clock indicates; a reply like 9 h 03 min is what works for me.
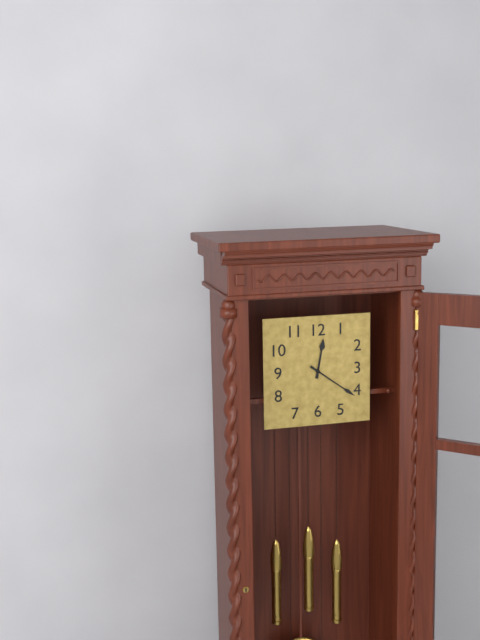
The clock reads 12 h 21 min
